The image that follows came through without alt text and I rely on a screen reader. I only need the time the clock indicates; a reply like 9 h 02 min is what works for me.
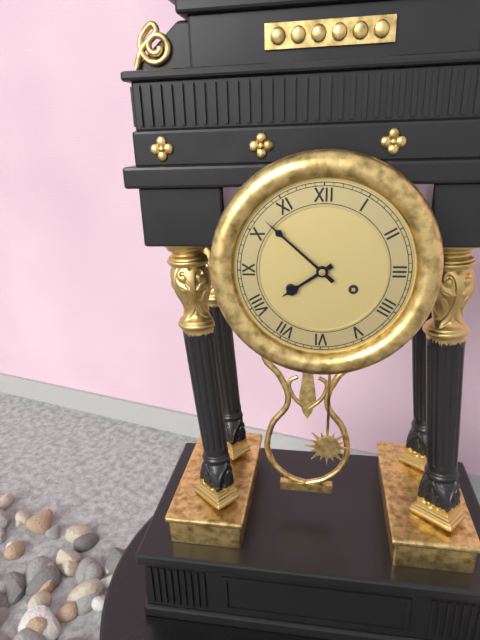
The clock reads 7 h 52 min
